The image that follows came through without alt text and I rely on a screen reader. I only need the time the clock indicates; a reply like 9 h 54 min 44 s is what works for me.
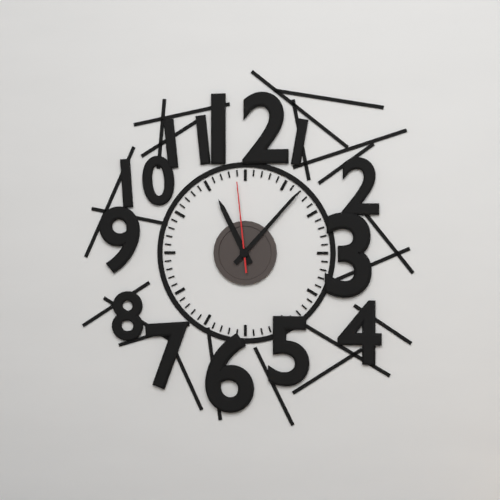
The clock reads 11 h 07 min 59 s
